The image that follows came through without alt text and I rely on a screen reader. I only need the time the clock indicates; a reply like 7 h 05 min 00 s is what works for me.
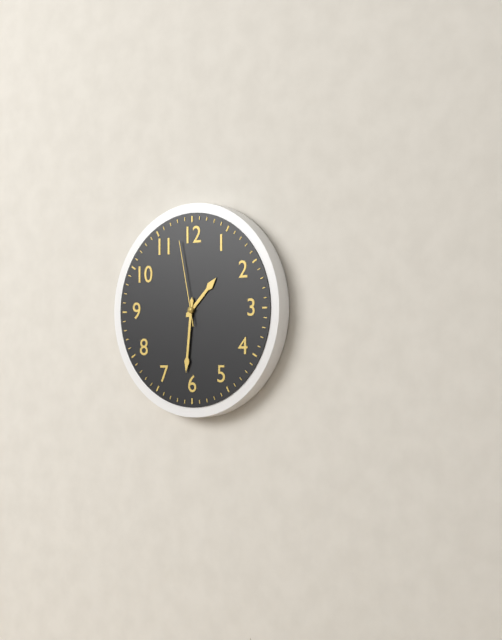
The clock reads 1 h 31 min 58 s
